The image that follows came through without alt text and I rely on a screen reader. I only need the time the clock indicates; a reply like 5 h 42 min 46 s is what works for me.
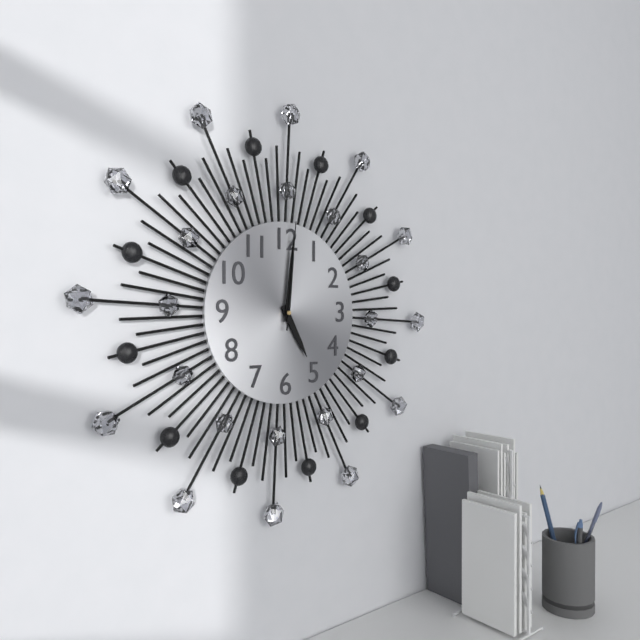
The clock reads 5 h 01 min 01 s
